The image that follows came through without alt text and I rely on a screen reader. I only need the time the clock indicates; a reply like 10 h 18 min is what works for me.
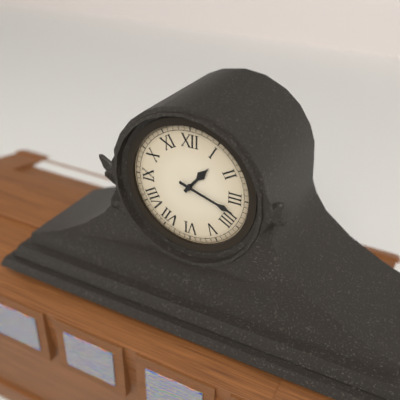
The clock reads 1 h 18 min
